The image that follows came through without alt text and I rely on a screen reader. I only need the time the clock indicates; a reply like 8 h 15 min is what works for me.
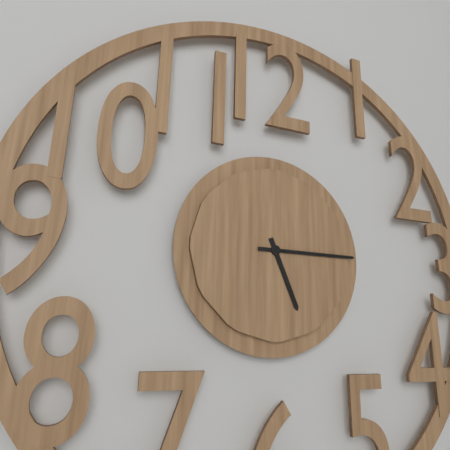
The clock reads 5 h 15 min
